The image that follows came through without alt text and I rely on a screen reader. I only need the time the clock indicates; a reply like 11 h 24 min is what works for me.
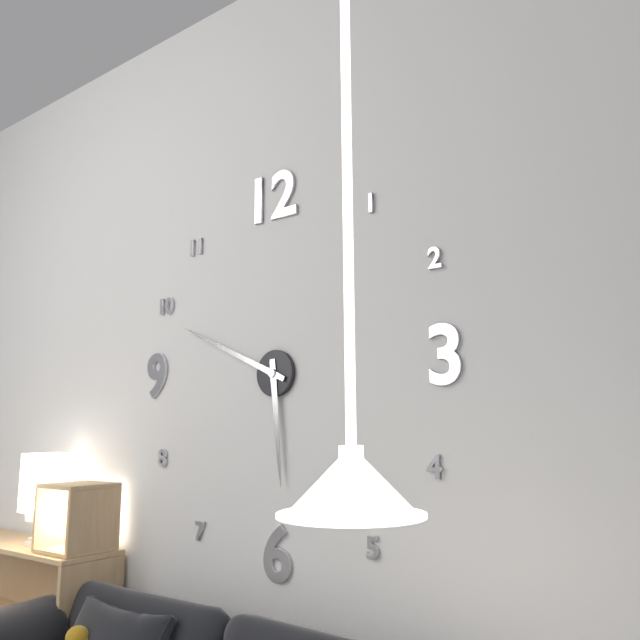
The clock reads 5 h 49 min
